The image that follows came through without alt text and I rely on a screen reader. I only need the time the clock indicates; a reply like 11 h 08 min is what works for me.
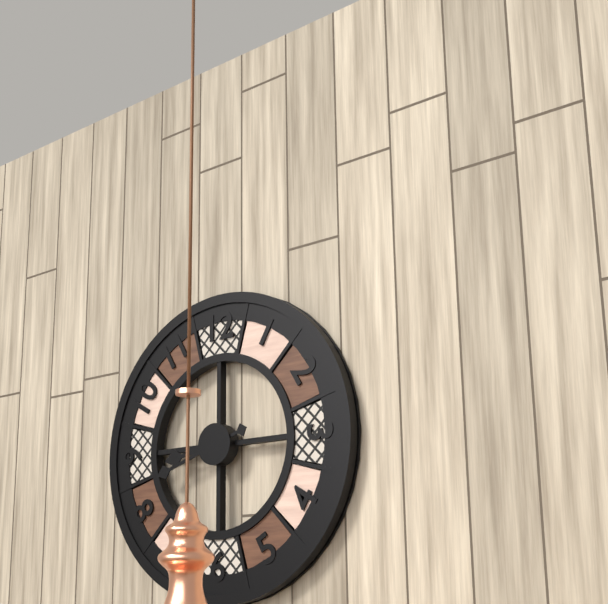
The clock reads 8 h 42 min
